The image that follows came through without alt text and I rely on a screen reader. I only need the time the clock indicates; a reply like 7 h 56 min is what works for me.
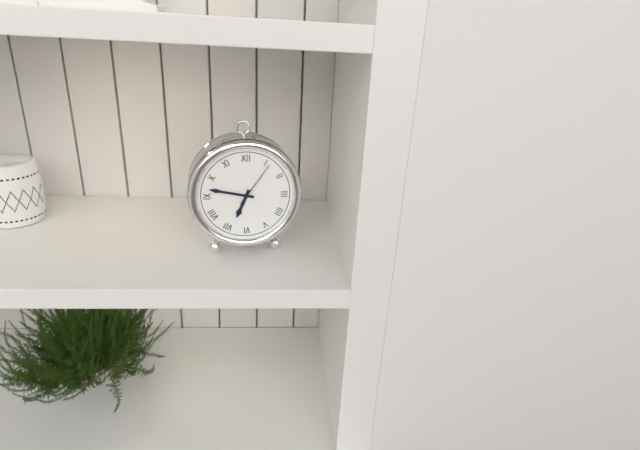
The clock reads 6 h 47 min
